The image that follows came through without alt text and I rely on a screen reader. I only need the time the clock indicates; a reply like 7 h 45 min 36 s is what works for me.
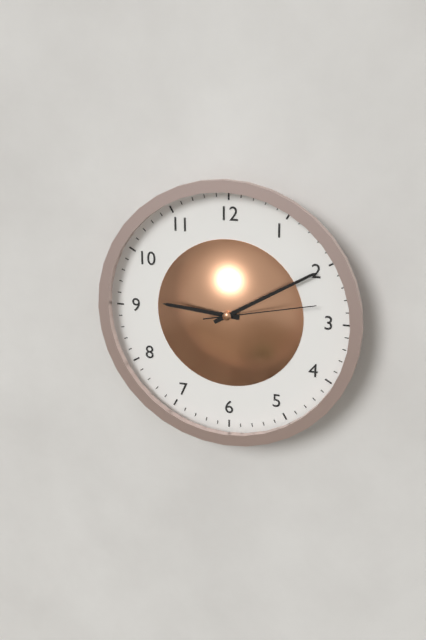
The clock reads 9 h 10 min 13 s
